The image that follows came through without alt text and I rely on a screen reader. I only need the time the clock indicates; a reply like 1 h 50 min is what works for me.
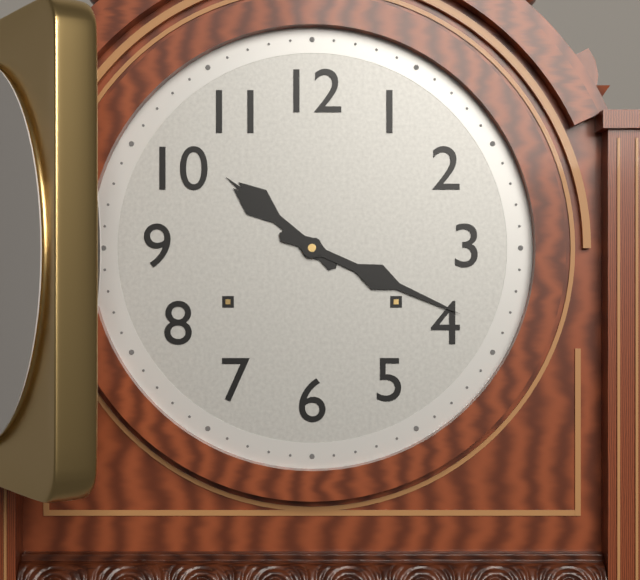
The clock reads 10 h 19 min
